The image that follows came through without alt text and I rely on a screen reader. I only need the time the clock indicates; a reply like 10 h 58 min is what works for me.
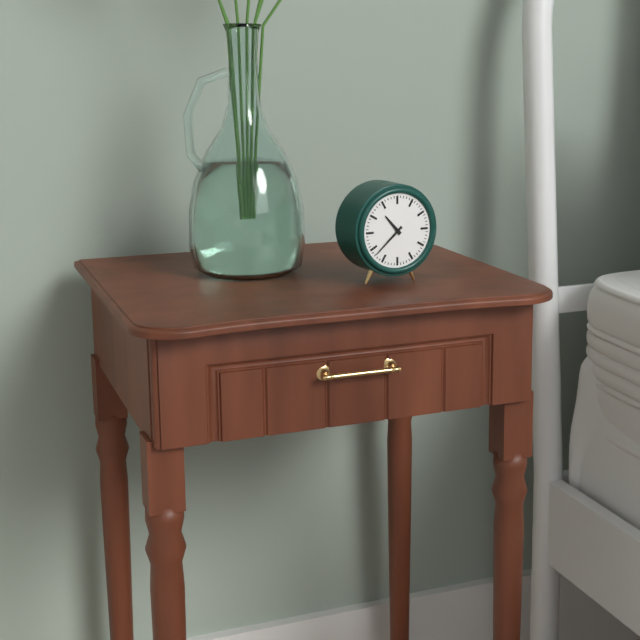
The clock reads 10 h 38 min
